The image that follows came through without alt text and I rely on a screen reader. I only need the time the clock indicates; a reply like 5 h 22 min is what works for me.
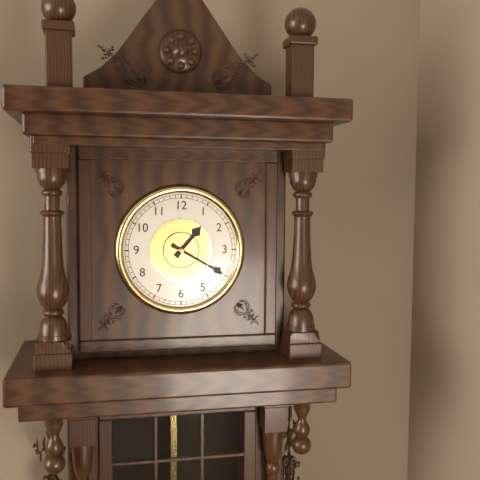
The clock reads 1 h 20 min
